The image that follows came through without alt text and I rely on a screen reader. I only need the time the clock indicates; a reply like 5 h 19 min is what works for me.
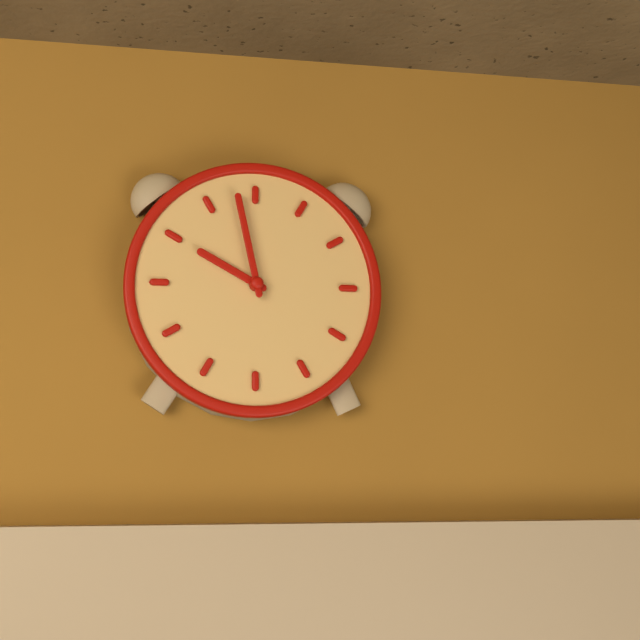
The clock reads 9 h 58 min
